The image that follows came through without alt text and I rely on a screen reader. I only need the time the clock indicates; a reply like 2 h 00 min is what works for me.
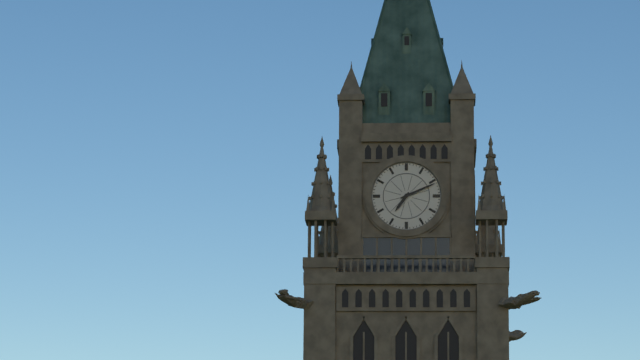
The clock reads 7 h 11 min
